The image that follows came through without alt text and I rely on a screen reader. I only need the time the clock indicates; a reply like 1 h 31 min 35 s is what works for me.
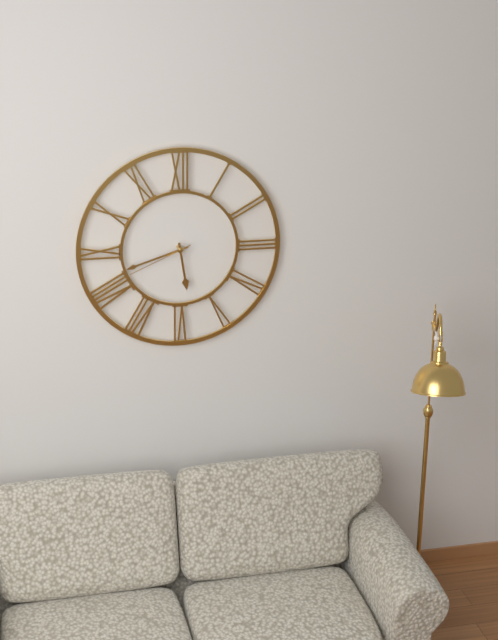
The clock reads 5 h 42 min 41 s
